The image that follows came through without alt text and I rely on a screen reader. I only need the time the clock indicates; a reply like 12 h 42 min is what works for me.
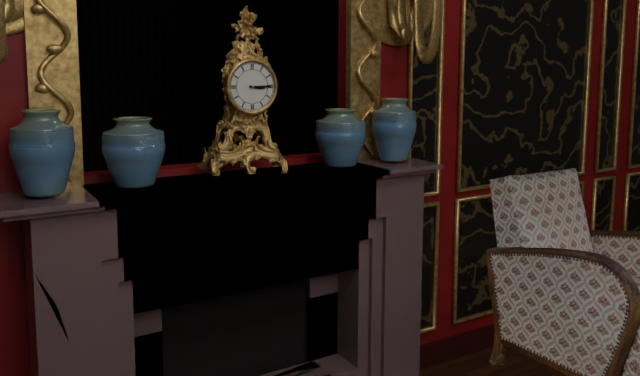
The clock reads 3 h 15 min
